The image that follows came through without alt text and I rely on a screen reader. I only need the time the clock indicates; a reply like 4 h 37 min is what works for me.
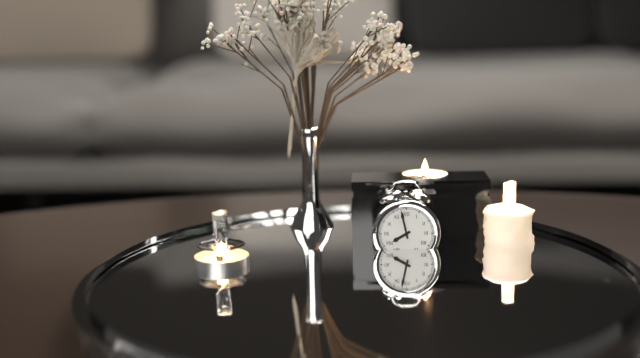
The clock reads 7 h 58 min
